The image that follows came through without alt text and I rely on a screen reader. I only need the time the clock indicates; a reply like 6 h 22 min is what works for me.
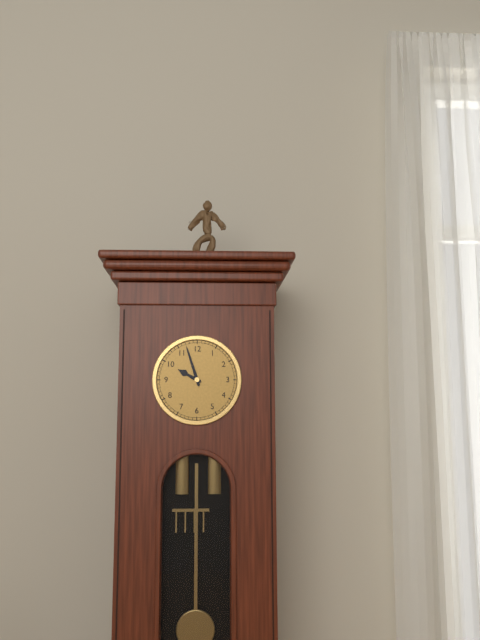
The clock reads 9 h 57 min
